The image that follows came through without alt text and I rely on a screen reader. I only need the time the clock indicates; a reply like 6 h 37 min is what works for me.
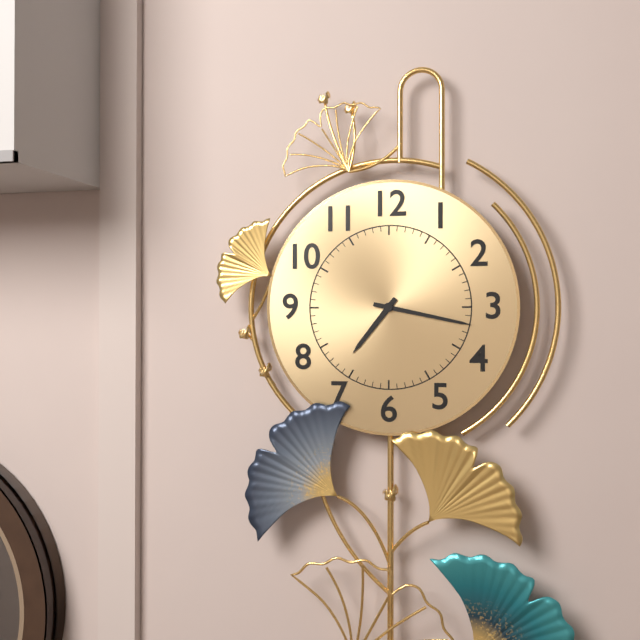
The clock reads 7 h 17 min
